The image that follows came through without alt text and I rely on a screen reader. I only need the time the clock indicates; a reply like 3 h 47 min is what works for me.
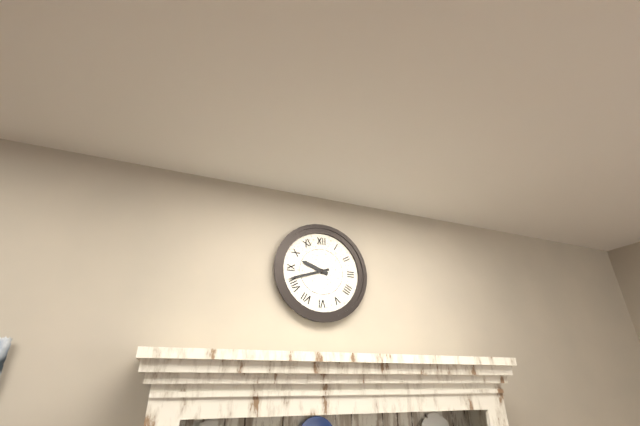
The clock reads 9 h 42 min
